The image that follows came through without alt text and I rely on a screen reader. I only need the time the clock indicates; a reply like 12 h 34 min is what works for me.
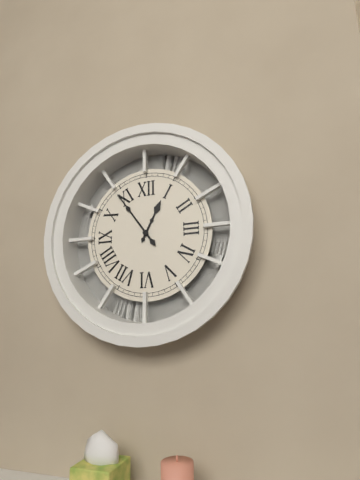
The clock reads 12 h 54 min
